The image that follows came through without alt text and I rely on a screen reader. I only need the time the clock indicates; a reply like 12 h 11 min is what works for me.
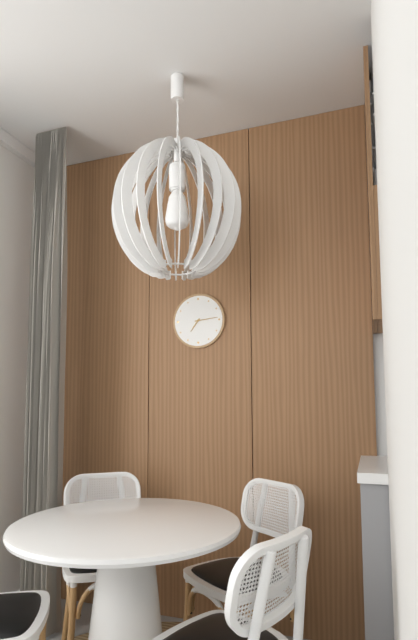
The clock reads 7 h 14 min
